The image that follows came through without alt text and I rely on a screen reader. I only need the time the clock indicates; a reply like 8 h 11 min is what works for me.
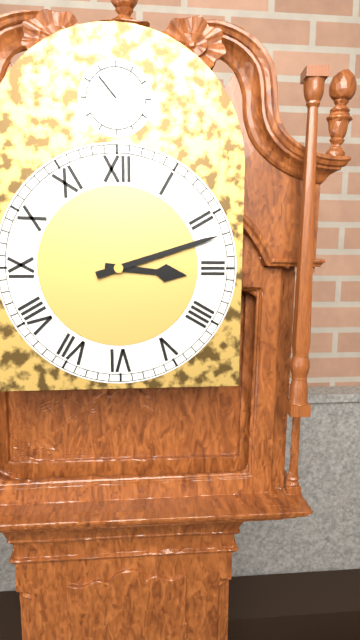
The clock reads 3 h 12 min
